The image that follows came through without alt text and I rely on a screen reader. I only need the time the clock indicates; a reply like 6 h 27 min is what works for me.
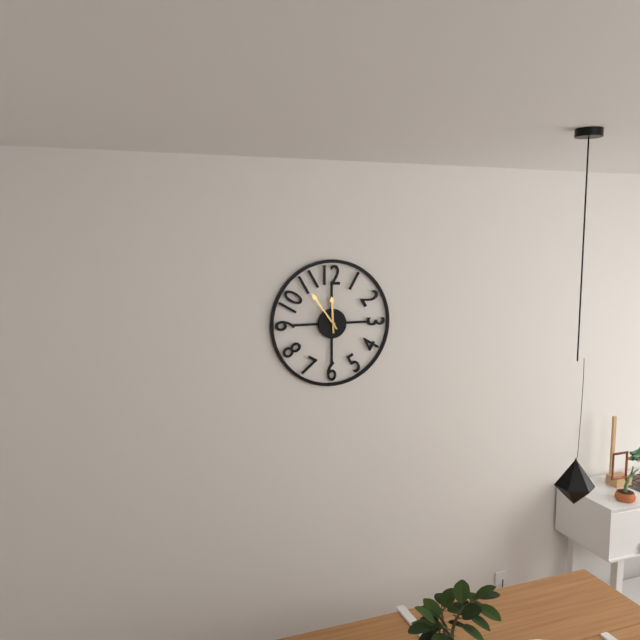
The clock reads 11 h 54 min
